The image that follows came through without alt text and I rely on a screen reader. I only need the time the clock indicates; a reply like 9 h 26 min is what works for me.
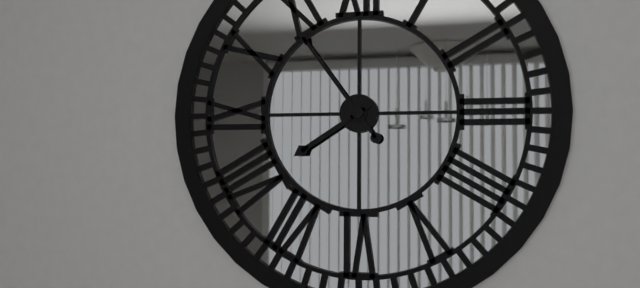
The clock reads 7 h 54 min
